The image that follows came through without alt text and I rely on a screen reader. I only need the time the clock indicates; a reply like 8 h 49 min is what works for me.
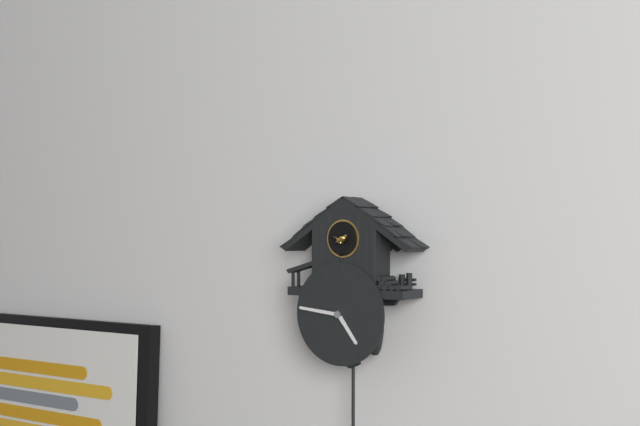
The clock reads 4 h 46 min
